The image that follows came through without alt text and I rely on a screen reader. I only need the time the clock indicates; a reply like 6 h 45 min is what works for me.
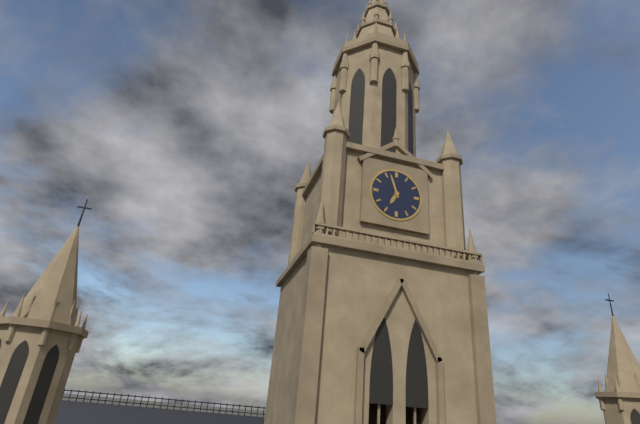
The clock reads 6 h 57 min
